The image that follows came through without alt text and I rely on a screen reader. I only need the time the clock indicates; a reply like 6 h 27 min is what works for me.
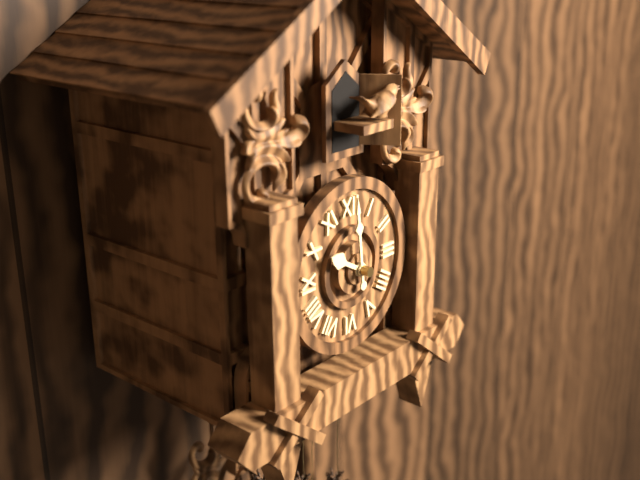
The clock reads 9 h 59 min
